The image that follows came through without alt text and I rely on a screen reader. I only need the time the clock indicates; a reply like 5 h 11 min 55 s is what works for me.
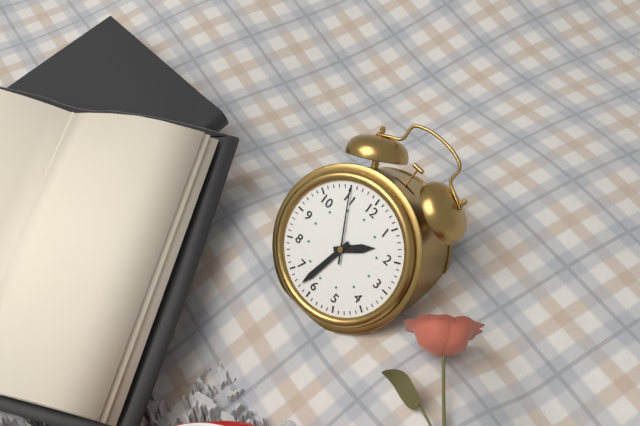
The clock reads 1 h 32 min 55 s
